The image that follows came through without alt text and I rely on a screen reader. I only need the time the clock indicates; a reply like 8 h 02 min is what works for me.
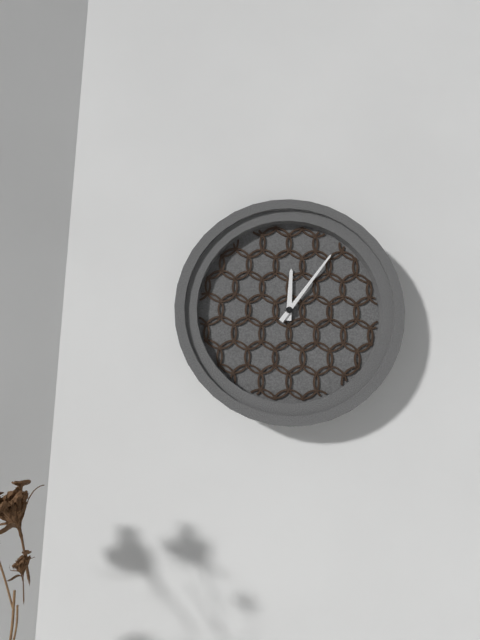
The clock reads 12 h 06 min
